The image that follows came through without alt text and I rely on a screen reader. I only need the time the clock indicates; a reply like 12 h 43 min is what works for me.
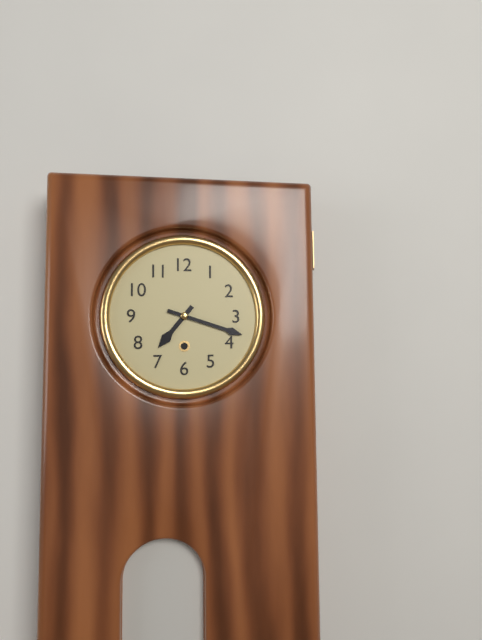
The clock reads 7 h 18 min
